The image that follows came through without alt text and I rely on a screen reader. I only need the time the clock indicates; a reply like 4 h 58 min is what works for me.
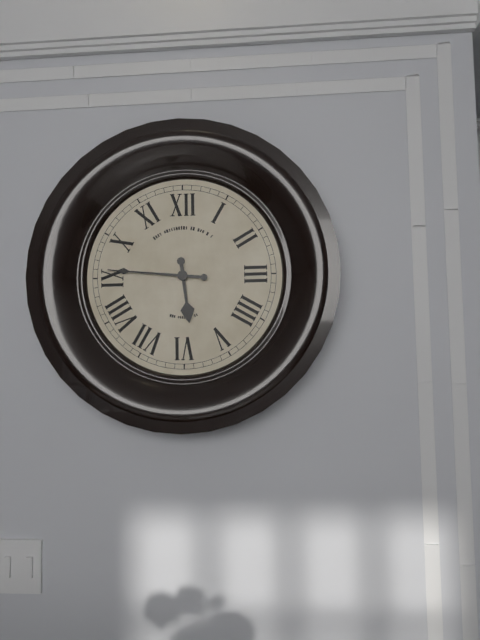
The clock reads 5 h 46 min
